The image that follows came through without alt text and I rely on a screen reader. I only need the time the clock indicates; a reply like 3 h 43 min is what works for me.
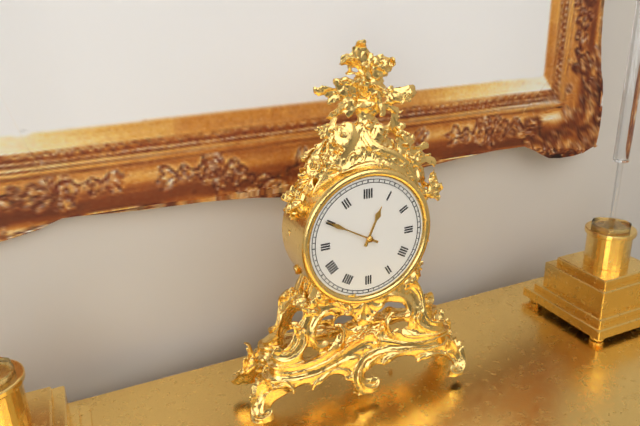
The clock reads 12 h 50 min
